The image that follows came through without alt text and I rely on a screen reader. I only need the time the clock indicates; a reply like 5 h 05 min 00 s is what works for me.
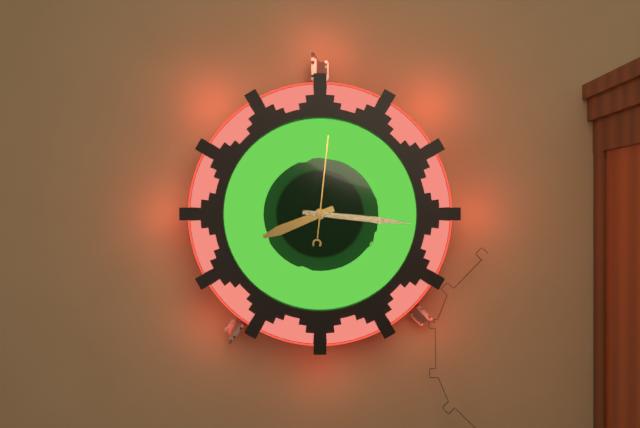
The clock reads 8 h 16 min 01 s
